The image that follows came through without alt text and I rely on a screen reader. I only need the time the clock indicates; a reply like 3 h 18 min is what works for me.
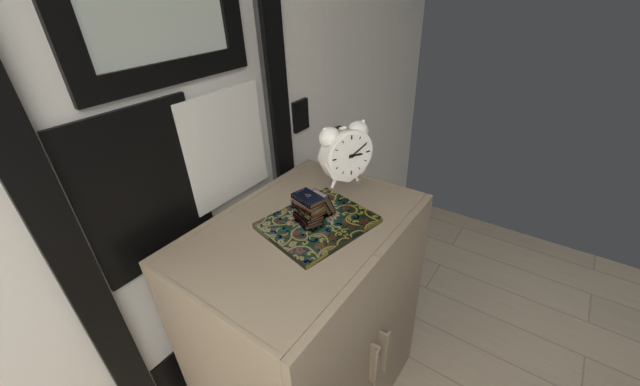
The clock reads 3 h 10 min
